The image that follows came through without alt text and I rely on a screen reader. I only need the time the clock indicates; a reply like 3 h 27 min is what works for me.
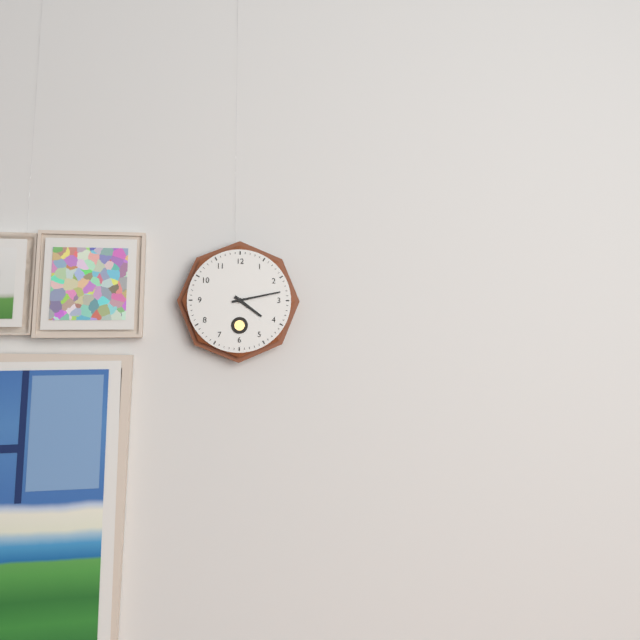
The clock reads 4 h 13 min
